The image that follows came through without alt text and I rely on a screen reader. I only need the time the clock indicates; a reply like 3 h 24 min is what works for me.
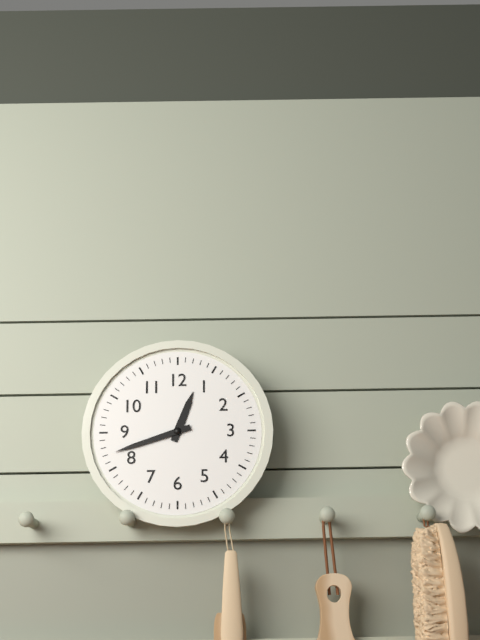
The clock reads 12 h 42 min
